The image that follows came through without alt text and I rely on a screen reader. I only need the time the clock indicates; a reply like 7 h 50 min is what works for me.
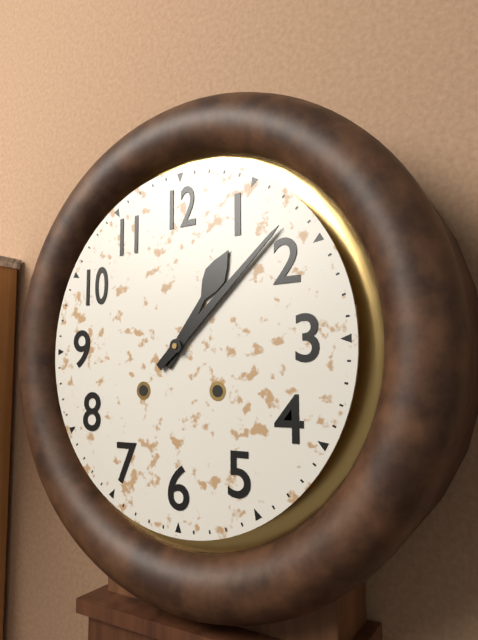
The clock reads 1 h 08 min
